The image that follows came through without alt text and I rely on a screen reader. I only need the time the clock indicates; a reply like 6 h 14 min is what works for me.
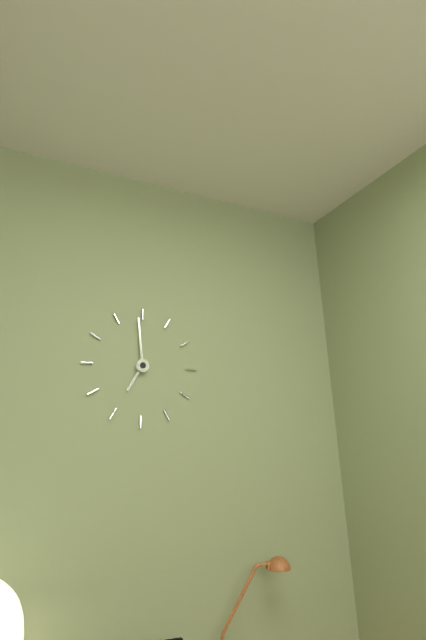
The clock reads 6 h 59 min
